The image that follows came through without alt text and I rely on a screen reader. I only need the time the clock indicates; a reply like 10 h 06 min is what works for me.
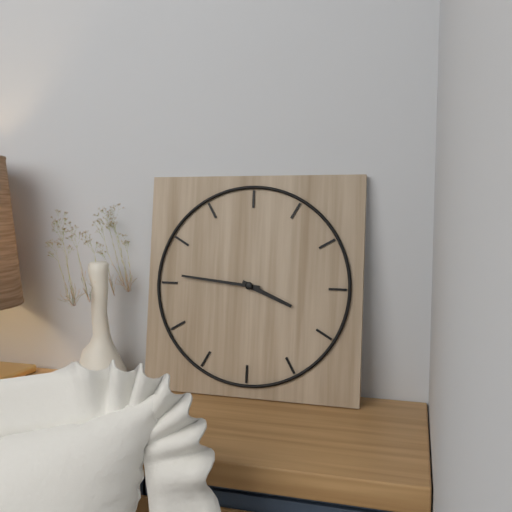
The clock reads 3 h 46 min
